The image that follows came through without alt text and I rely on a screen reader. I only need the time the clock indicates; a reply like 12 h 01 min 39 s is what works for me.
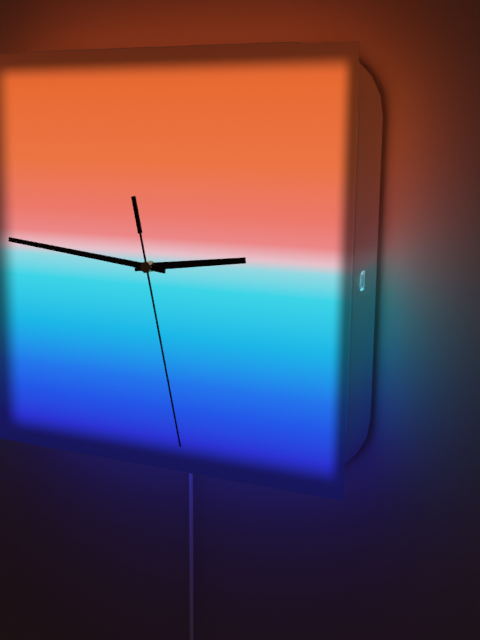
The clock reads 2 h 46 min 28 s
